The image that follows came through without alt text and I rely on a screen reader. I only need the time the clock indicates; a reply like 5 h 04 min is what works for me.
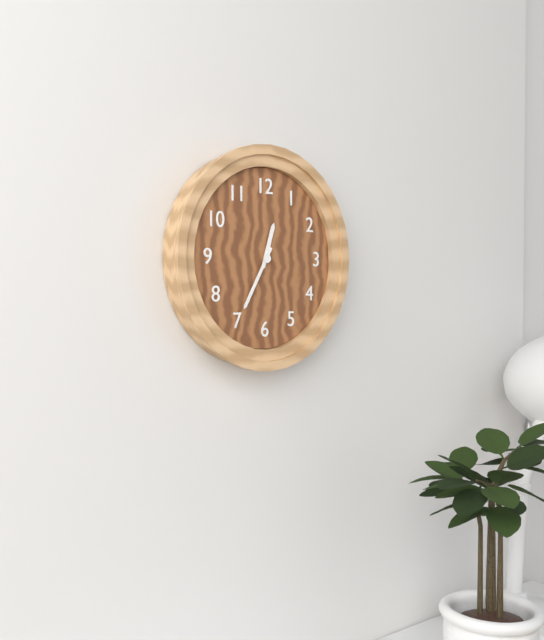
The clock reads 12 h 35 min
